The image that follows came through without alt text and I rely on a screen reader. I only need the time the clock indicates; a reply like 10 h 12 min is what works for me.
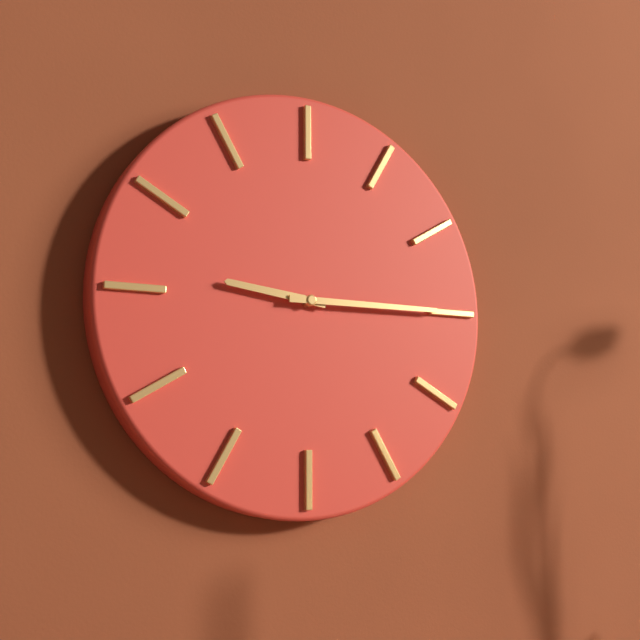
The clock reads 9 h 15 min
